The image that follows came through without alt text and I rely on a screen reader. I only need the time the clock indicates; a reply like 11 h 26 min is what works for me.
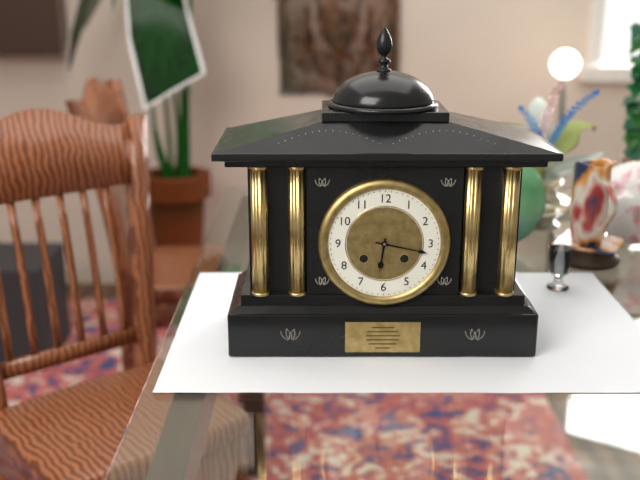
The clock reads 6 h 17 min
